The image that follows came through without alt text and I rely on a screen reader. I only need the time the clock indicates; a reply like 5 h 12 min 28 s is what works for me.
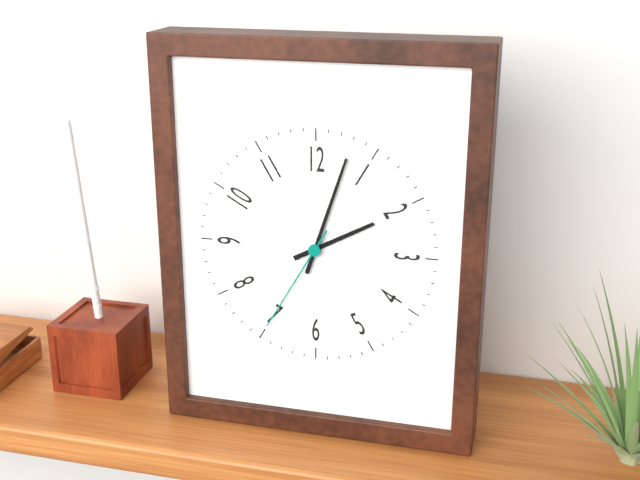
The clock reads 2 h 03 min 35 s
